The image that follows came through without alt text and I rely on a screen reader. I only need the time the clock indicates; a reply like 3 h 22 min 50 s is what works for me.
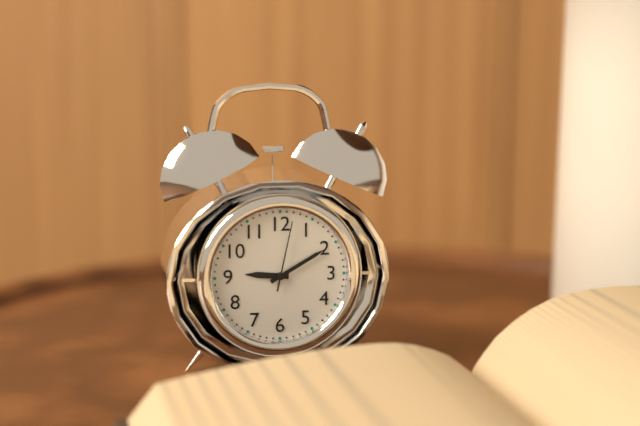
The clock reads 9 h 10 min 02 s
